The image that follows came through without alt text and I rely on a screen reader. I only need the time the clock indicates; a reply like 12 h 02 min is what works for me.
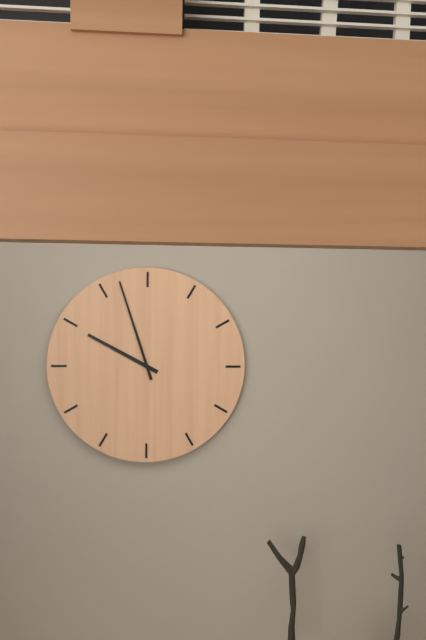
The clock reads 9 h 57 min
